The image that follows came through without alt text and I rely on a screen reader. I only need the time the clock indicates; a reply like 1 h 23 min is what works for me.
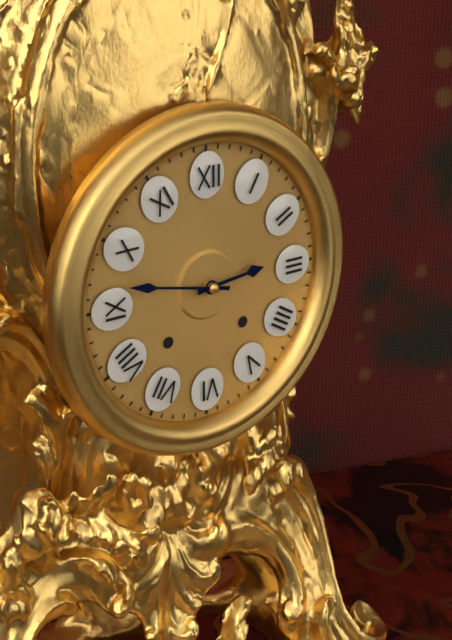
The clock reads 2 h 47 min
